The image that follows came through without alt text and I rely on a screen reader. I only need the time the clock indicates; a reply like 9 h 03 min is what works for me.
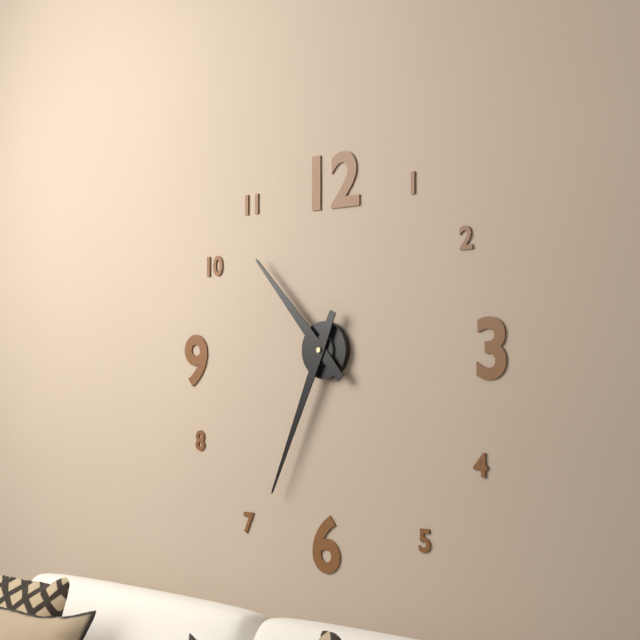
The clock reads 10 h 34 min
